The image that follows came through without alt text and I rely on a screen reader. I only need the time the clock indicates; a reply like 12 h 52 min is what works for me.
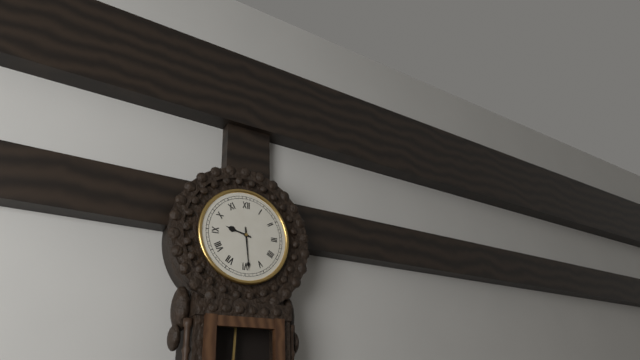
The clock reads 9 h 29 min
